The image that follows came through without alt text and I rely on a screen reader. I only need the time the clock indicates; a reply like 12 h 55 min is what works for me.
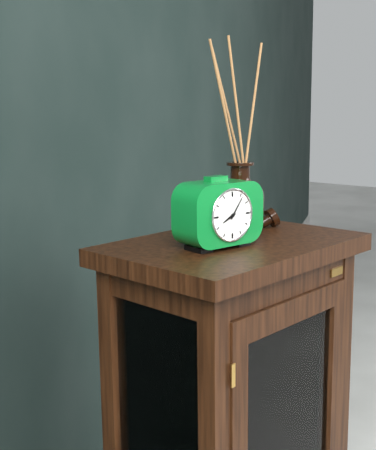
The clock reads 8 h 06 min
